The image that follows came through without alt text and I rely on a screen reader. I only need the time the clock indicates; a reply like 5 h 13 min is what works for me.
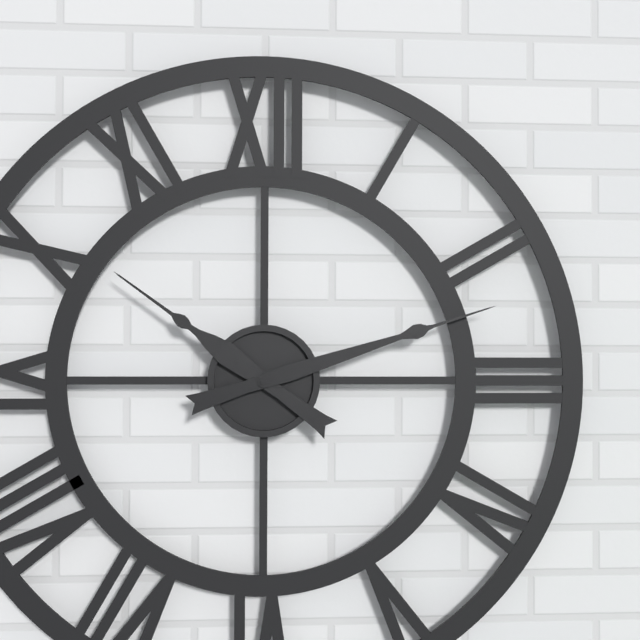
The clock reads 10 h 12 min
